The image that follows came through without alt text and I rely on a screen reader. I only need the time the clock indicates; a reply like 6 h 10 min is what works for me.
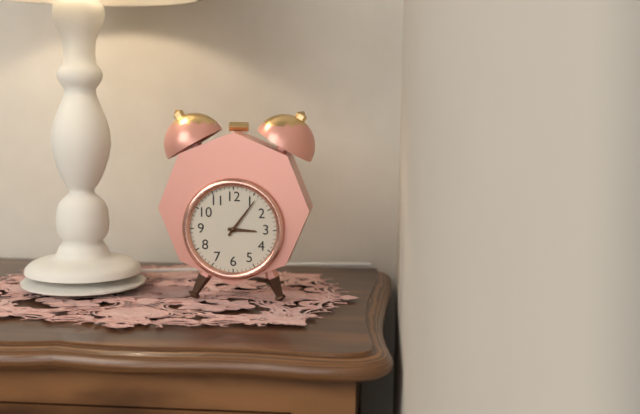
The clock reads 3 h 06 min
